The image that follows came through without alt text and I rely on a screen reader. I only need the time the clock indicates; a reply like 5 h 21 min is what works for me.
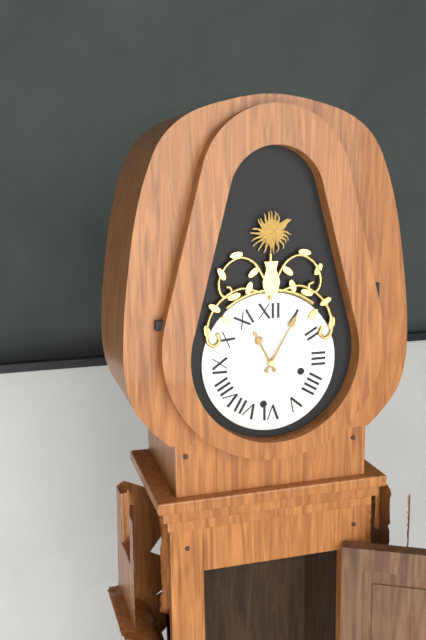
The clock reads 11 h 05 min
